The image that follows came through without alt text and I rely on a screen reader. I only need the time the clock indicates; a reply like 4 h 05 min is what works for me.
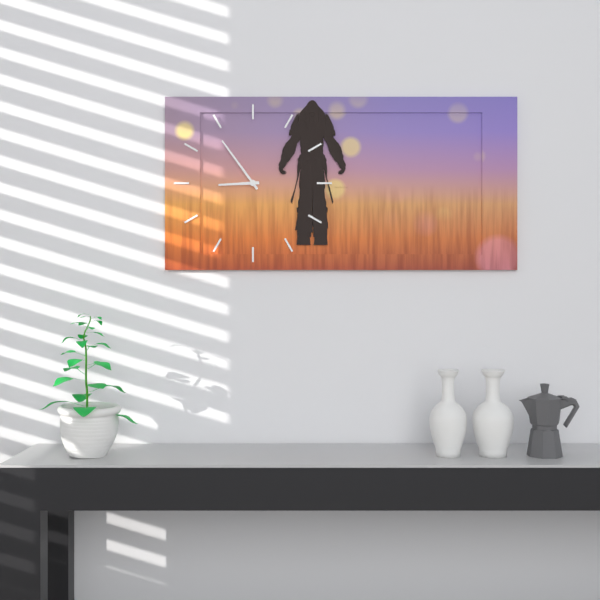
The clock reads 8 h 54 min
